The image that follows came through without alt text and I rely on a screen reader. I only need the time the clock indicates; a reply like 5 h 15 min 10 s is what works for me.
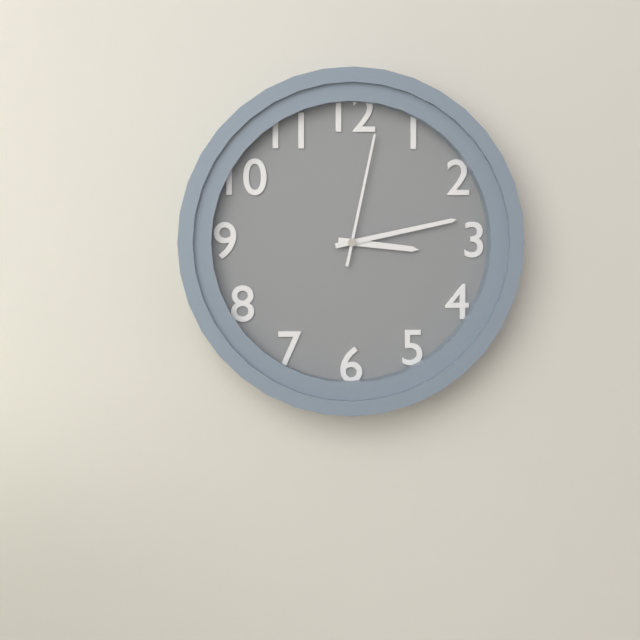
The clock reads 3 h 13 min 02 s
